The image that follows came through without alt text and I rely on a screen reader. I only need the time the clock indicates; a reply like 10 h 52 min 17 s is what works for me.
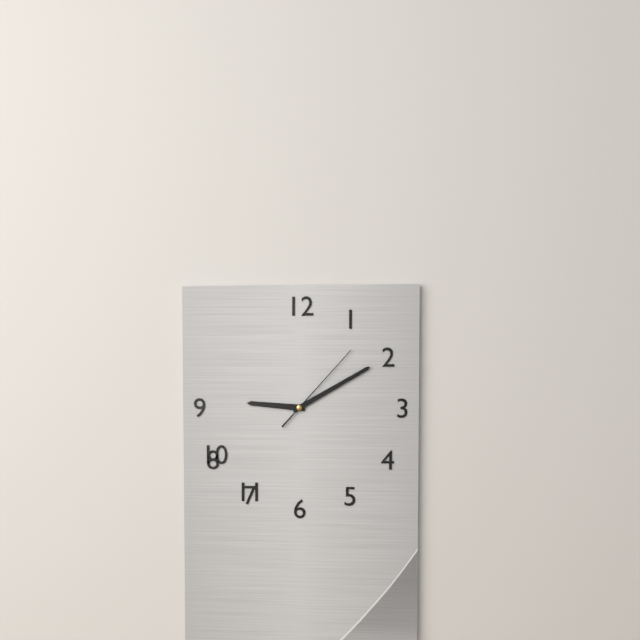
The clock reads 9 h 10 min 07 s
